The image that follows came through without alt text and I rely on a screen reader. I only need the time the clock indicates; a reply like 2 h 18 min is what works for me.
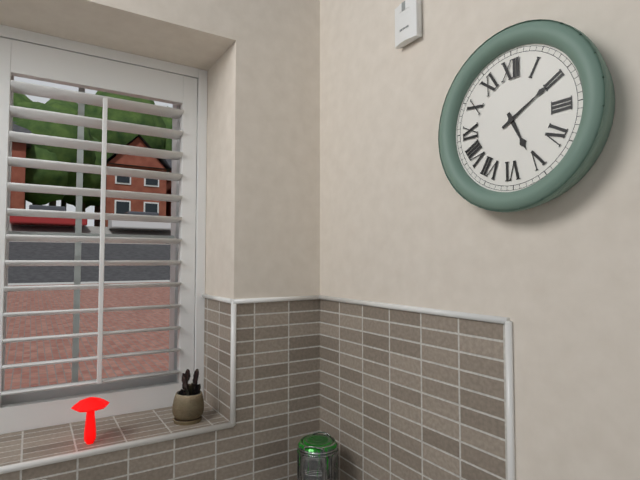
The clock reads 5 h 10 min
